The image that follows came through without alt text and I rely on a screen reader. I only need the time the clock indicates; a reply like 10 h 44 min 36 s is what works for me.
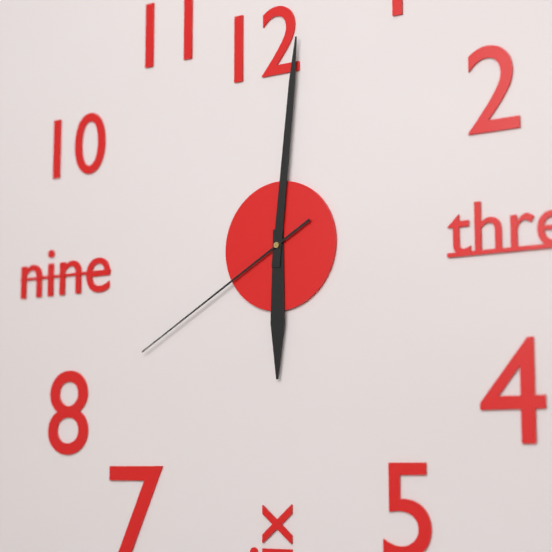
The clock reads 6 h 01 min 40 s
